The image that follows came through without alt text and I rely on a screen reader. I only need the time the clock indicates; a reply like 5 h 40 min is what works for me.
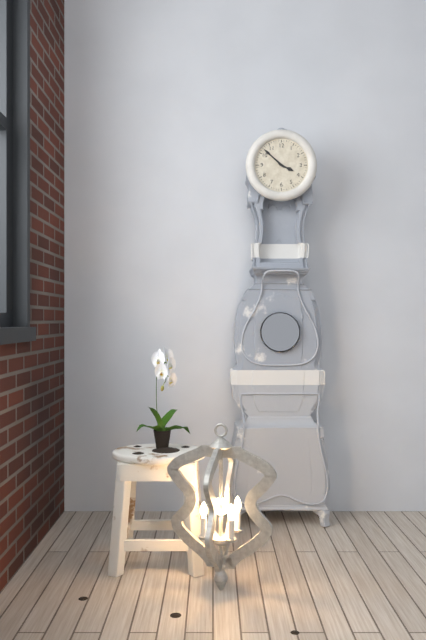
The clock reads 3 h 52 min
